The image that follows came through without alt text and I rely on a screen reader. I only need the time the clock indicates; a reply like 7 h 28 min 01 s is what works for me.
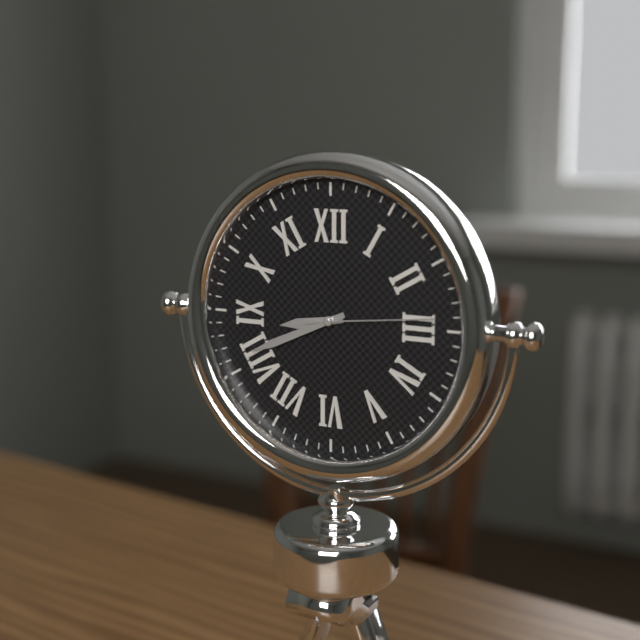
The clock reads 8 h 41 min 14 s
